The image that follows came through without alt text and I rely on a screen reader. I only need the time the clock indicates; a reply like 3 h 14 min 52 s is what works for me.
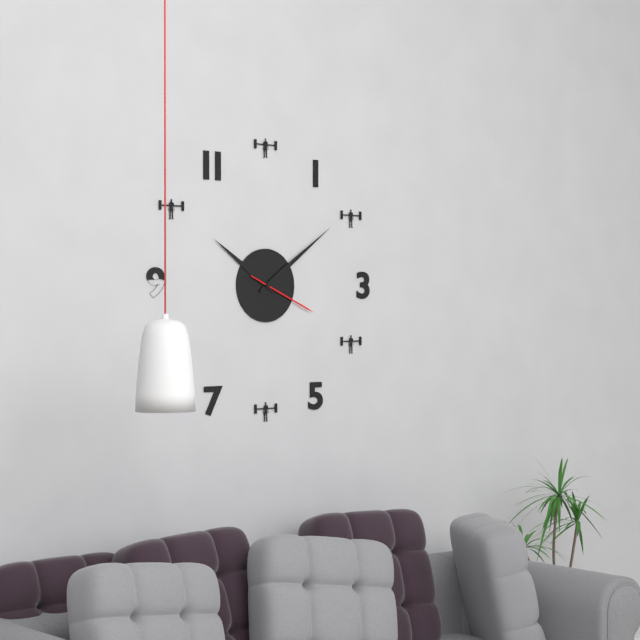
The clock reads 10 h 09 min 19 s
